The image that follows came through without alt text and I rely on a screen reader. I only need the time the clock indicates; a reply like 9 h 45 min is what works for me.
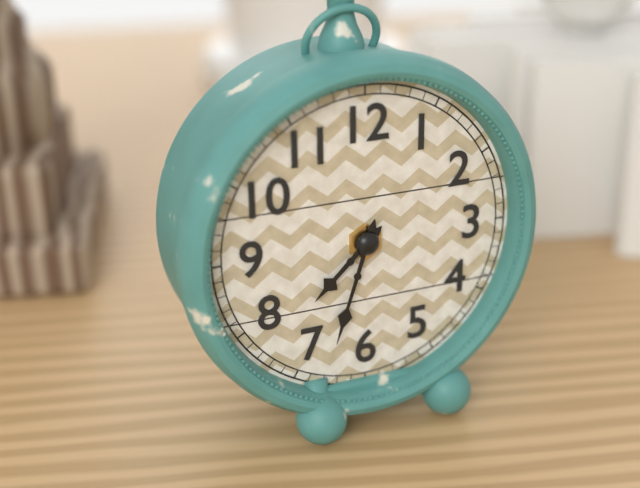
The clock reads 7 h 33 min
